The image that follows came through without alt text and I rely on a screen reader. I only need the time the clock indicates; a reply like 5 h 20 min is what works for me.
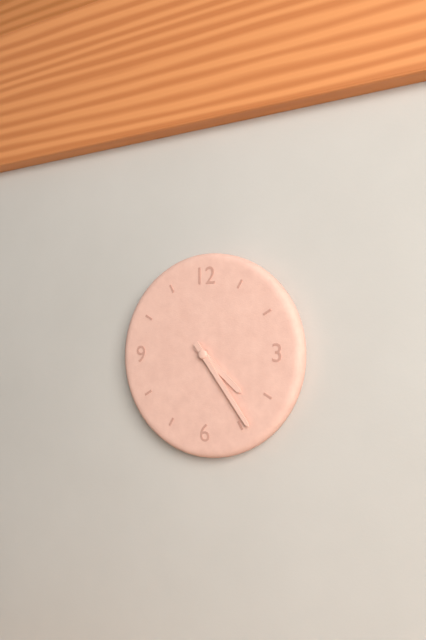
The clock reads 4 h 24 min
